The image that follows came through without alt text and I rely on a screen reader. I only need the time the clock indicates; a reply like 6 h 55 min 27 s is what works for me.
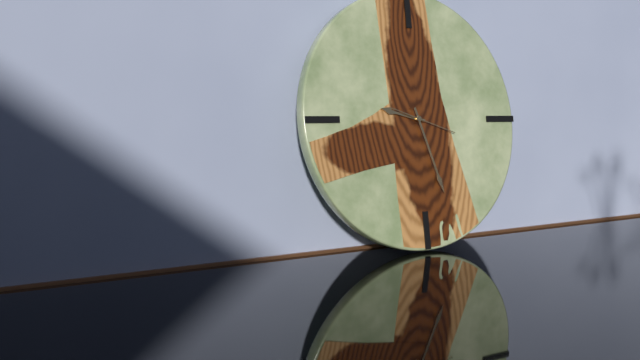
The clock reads 9 h 27 min 18 s
